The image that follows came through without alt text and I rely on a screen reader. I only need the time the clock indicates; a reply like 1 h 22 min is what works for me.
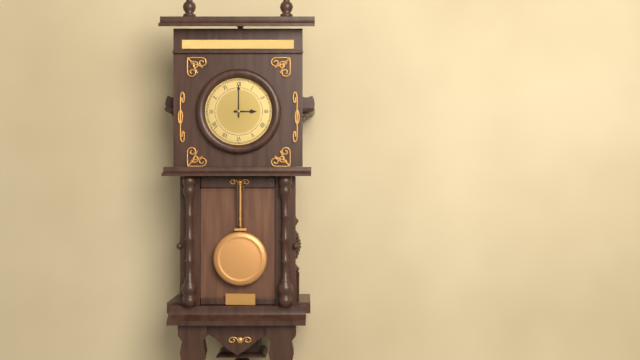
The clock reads 3 h 00 min
